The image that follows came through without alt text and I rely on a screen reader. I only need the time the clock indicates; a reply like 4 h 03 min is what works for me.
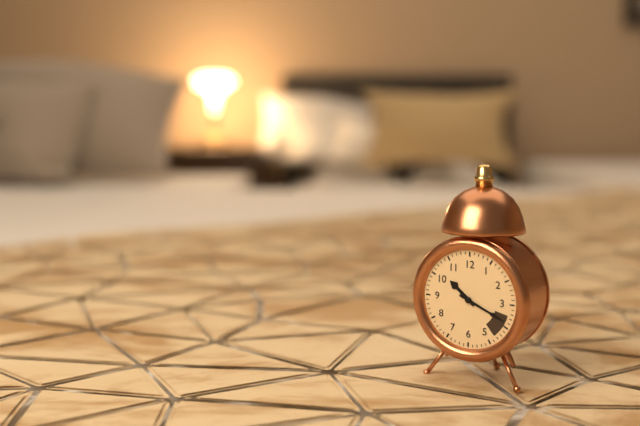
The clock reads 10 h 19 min
